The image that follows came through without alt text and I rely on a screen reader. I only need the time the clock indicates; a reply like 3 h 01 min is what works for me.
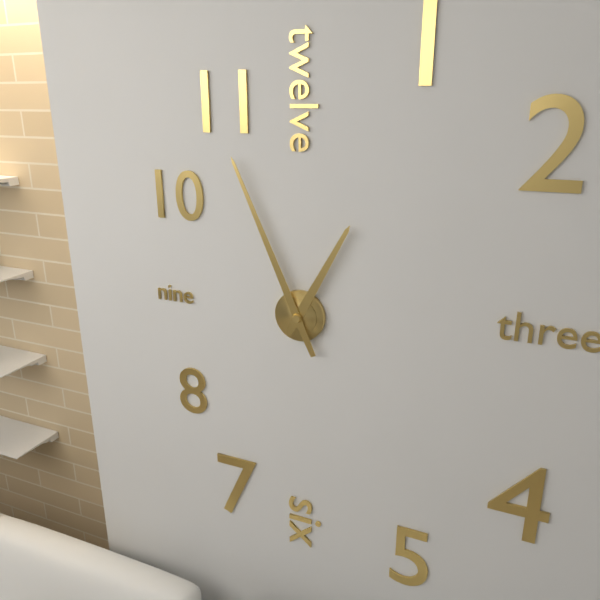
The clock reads 12 h 56 min
